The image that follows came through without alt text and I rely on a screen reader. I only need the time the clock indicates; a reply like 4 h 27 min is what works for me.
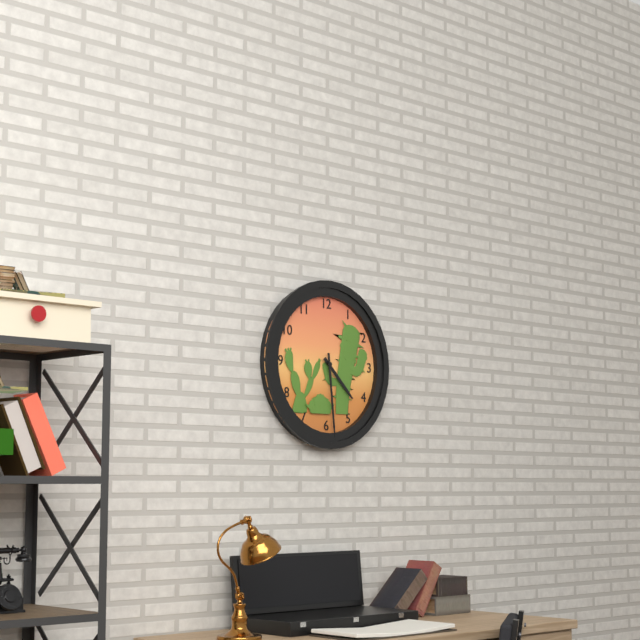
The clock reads 4 h 29 min
